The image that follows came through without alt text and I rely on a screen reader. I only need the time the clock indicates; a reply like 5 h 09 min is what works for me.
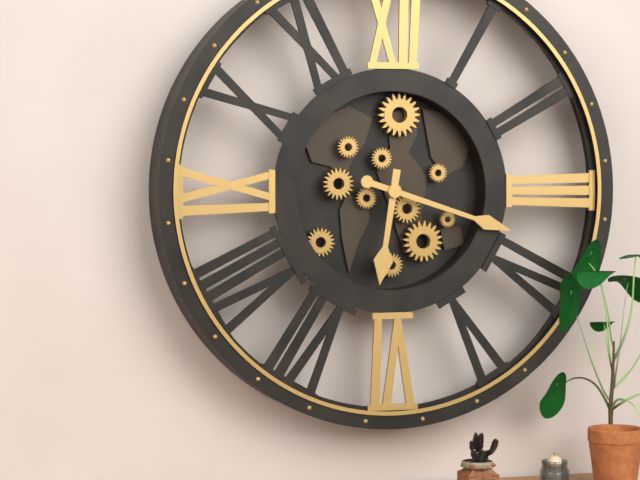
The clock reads 6 h 18 min
